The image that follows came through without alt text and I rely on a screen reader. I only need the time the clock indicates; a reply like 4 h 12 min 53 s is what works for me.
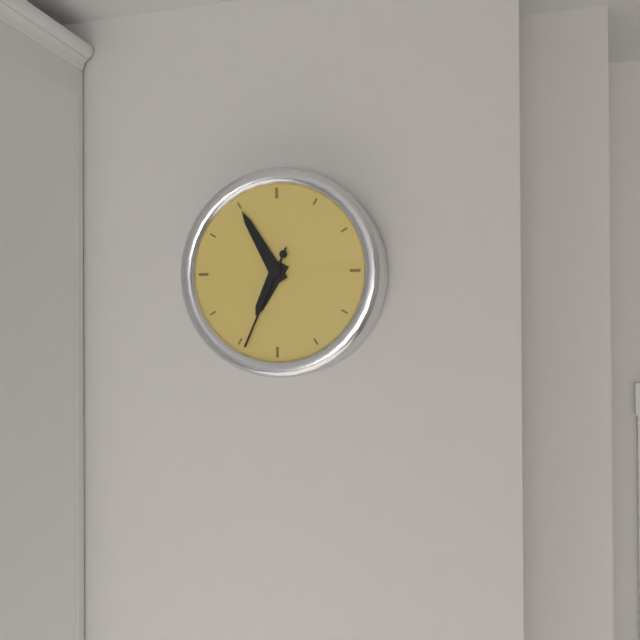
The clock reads 6 h 55 min 34 s
